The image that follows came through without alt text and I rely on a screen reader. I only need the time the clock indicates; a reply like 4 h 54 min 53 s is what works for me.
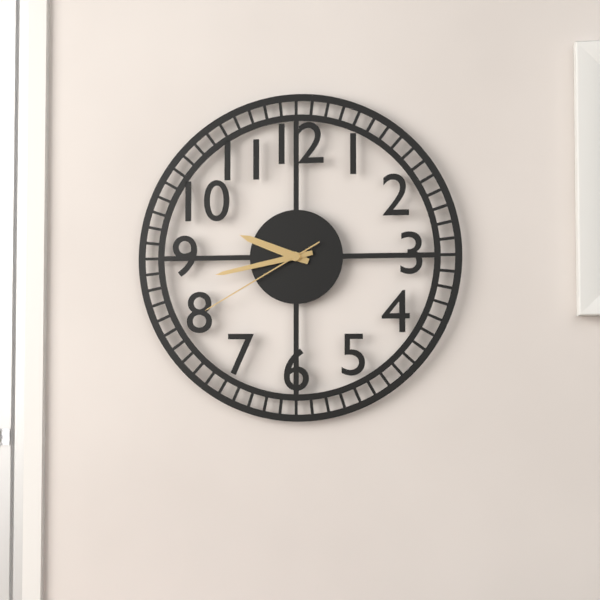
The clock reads 9 h 43 min 40 s
